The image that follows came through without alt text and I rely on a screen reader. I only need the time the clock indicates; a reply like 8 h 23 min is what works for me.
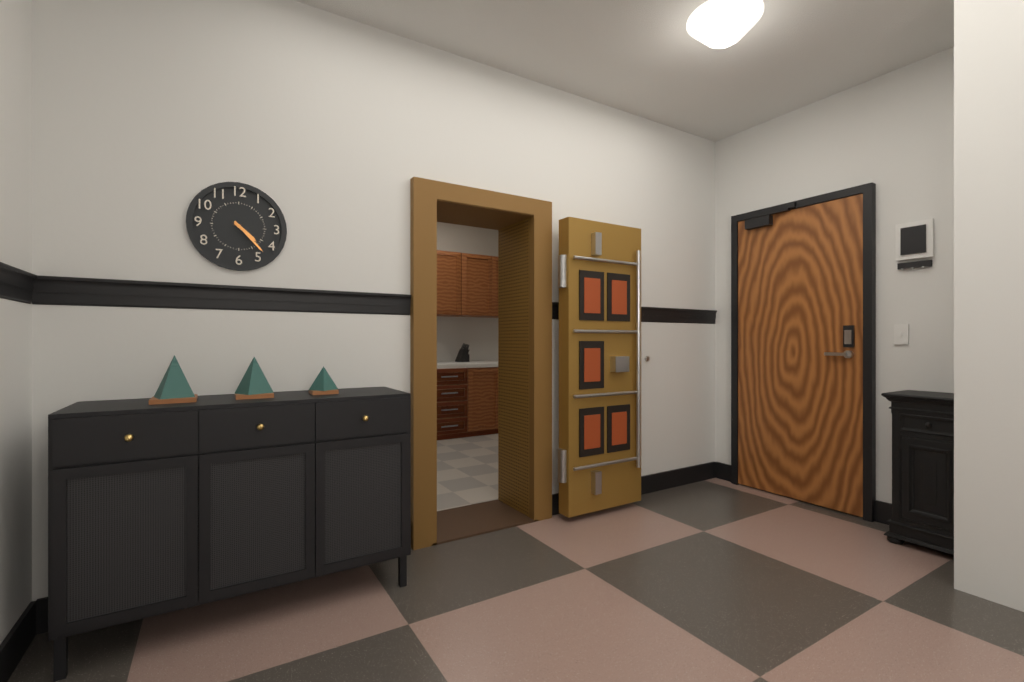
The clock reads 4 h 23 min
